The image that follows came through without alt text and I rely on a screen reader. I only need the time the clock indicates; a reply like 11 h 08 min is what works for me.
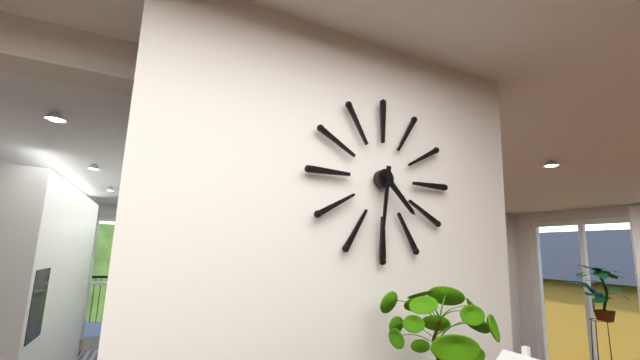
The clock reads 4 h 31 min
